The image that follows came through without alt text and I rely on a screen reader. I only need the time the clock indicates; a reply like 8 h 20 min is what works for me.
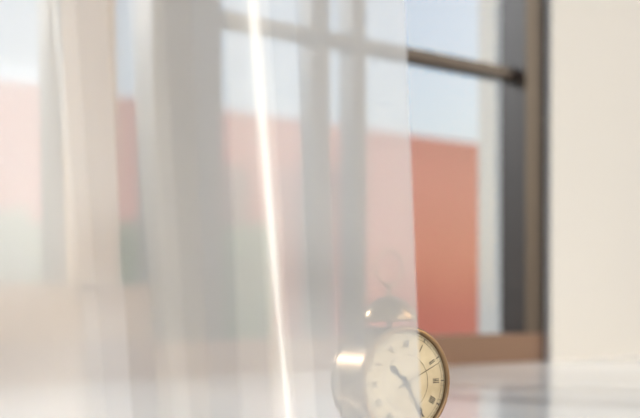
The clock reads 10 h 25 min
